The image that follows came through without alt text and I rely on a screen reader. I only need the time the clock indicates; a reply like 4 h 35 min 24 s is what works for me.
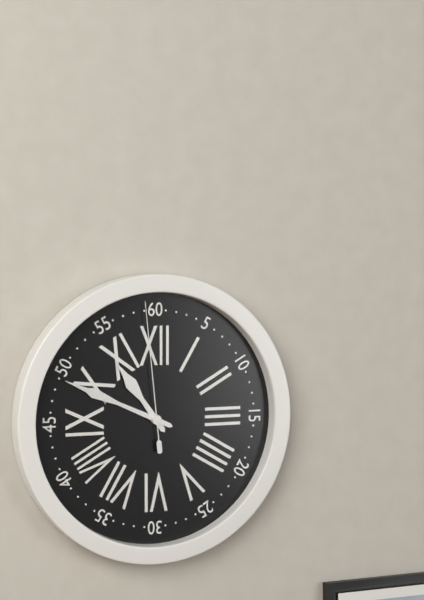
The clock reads 10 h 49 min 59 s
